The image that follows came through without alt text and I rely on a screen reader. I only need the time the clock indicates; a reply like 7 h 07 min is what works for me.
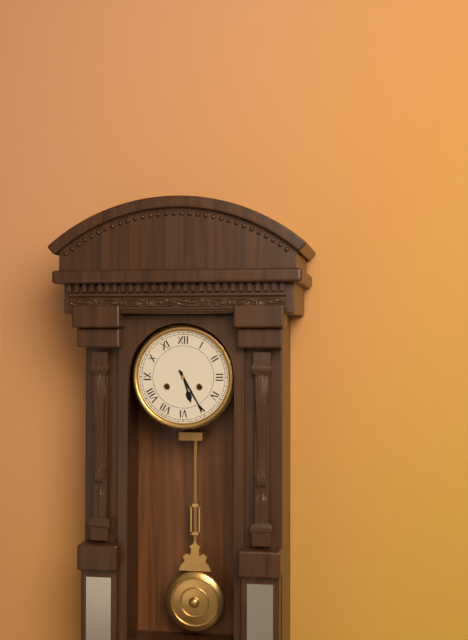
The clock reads 5 h 25 min
